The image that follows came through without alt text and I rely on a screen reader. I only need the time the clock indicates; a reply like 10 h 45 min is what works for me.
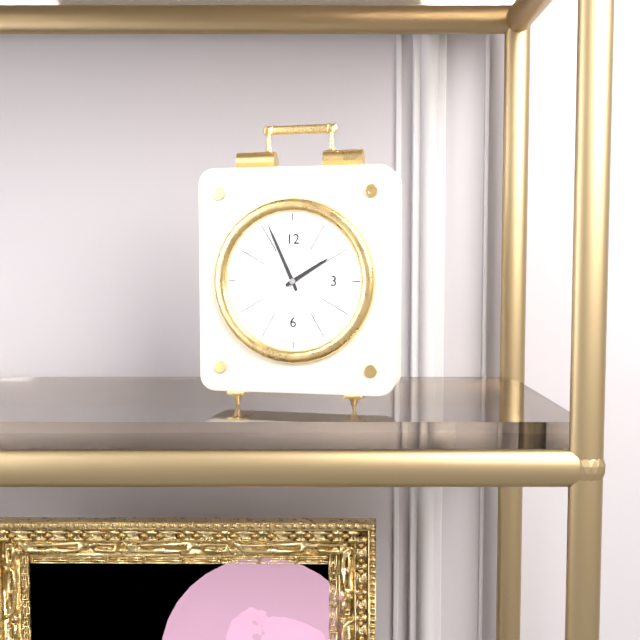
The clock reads 1 h 56 min
